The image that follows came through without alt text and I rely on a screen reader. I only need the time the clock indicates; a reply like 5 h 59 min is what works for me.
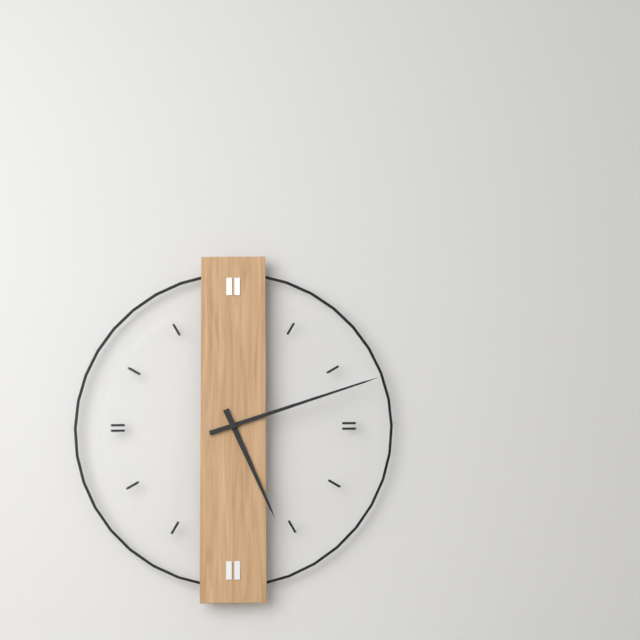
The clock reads 5 h 12 min
